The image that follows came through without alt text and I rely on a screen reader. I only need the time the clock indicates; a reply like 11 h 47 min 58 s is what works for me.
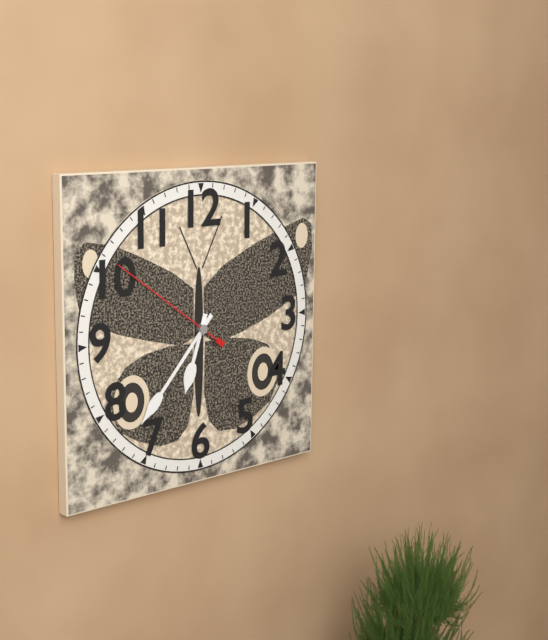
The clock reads 6 h 37 min 51 s
